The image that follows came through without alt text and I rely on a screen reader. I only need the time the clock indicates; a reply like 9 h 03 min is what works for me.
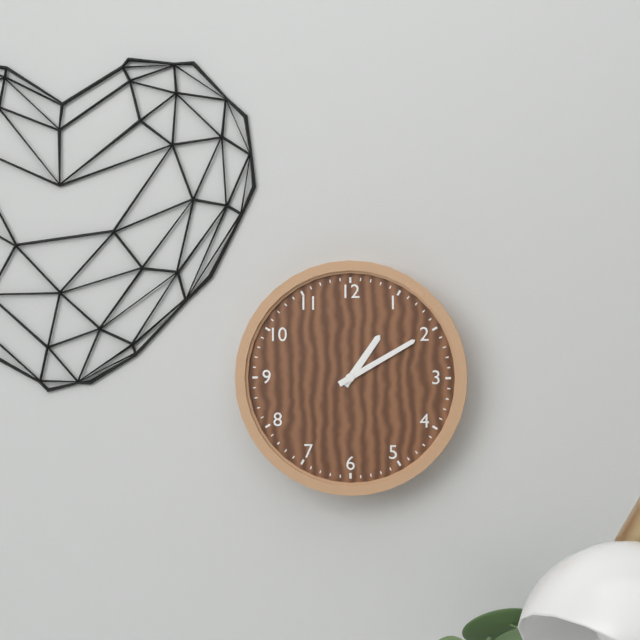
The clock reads 1 h 10 min
